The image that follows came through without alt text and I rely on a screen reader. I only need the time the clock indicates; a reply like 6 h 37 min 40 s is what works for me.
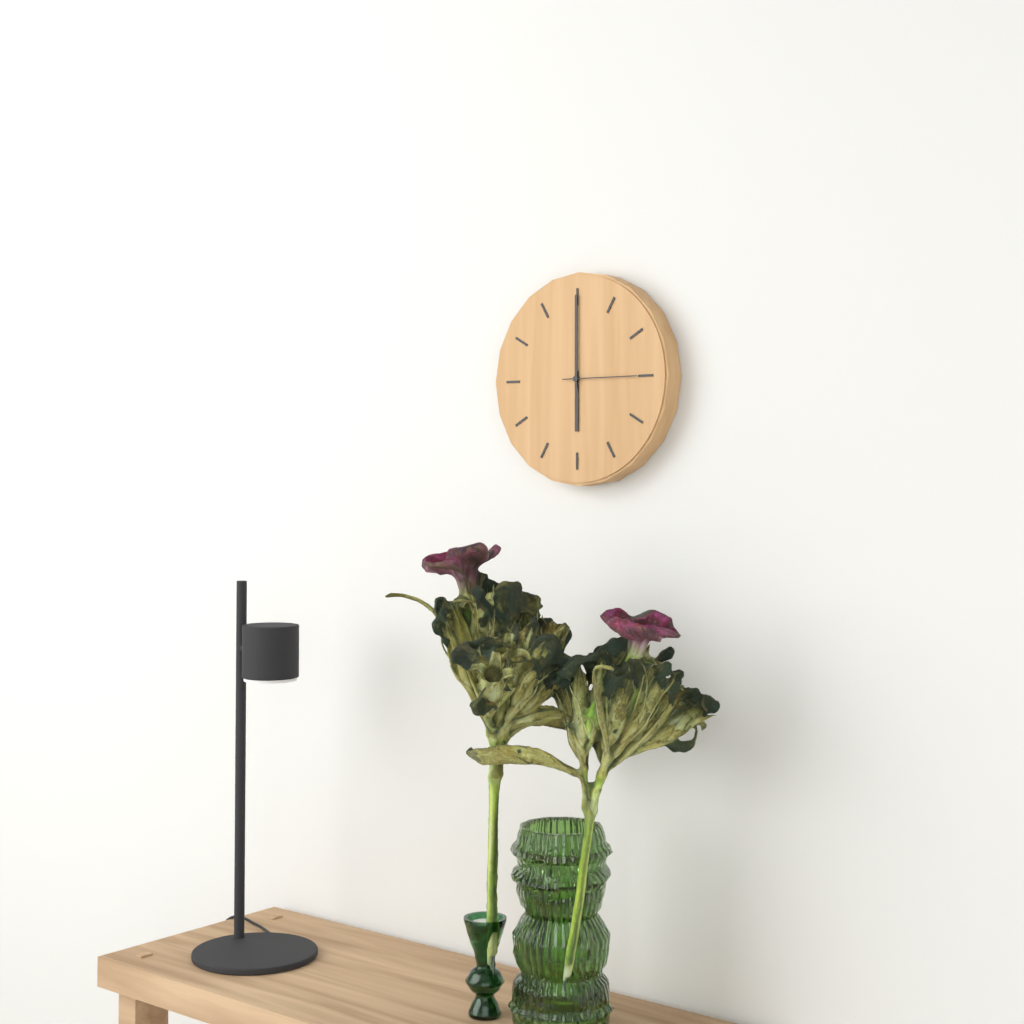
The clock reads 6 h 00 min 15 s
